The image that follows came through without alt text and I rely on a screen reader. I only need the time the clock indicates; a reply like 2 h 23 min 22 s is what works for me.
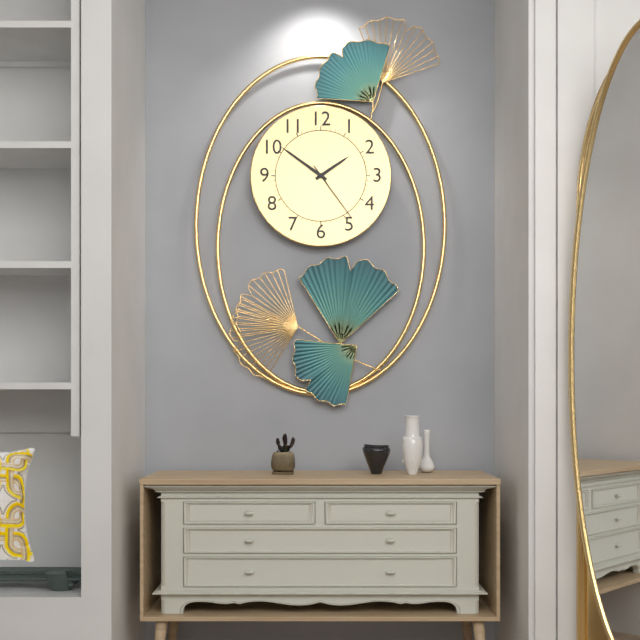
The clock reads 1 h 51 min 24 s
